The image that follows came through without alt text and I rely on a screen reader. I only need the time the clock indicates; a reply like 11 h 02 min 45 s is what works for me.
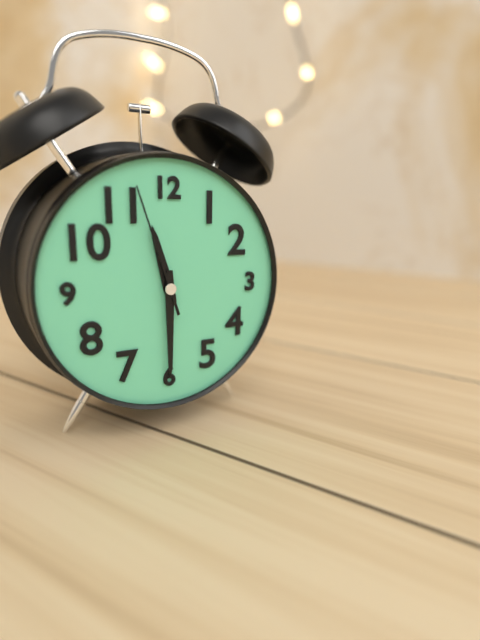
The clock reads 11 h 30 min 57 s
